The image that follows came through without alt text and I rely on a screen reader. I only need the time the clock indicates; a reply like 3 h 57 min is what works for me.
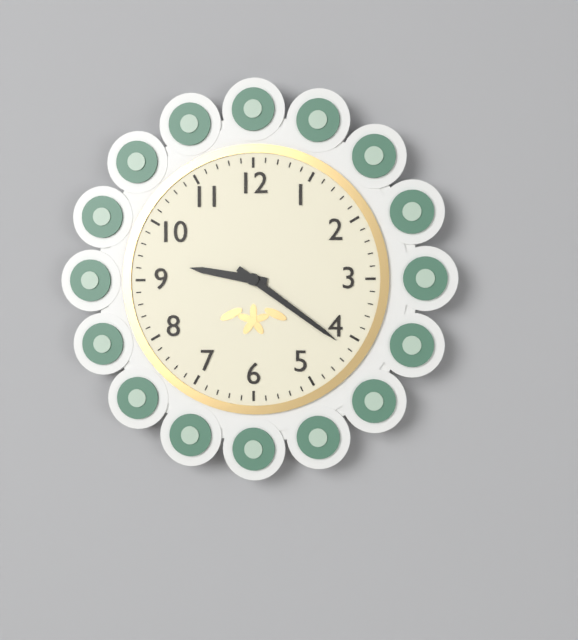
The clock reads 9 h 21 min
